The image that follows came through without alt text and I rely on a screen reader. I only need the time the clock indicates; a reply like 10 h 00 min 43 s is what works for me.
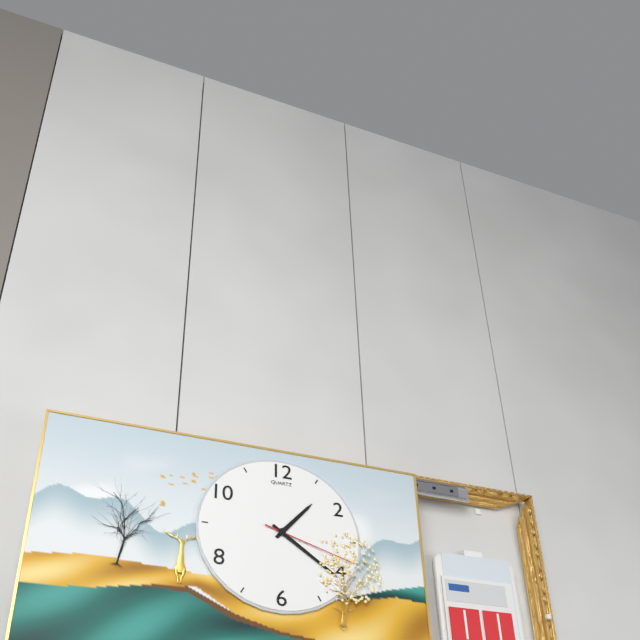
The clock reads 1 h 21 min 18 s
